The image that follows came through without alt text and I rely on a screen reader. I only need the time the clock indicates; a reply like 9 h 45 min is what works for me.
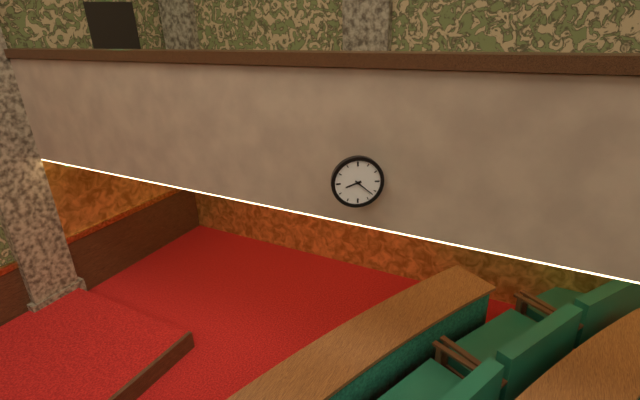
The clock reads 8 h 22 min
